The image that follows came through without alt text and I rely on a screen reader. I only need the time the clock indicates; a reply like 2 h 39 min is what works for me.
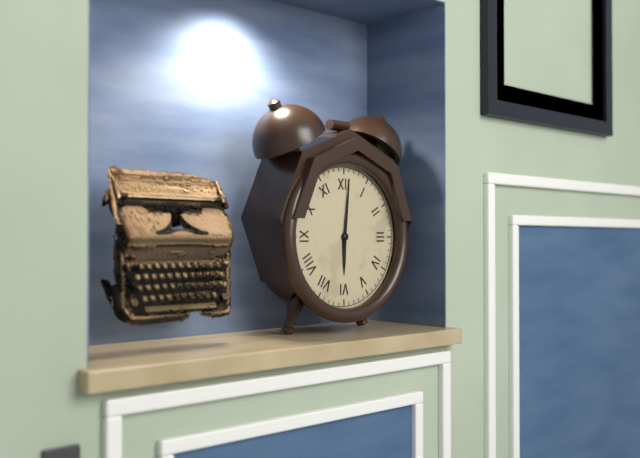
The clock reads 6 h 01 min
